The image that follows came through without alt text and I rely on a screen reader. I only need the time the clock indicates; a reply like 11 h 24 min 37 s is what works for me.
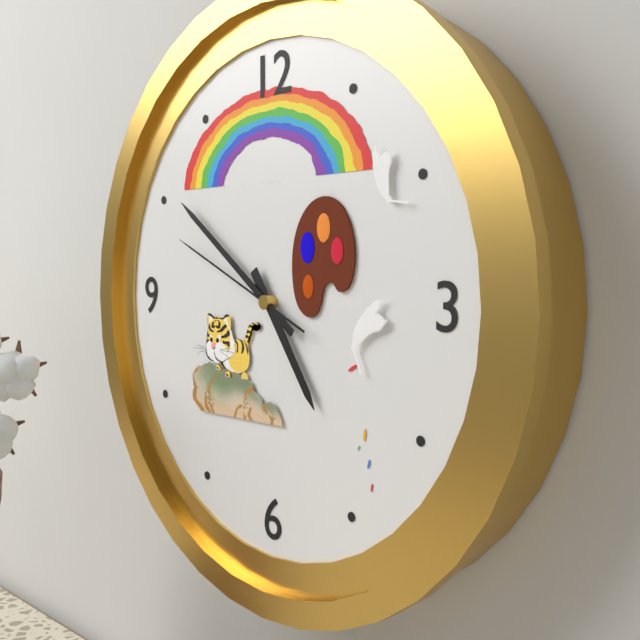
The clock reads 4 h 51 min 49 s
